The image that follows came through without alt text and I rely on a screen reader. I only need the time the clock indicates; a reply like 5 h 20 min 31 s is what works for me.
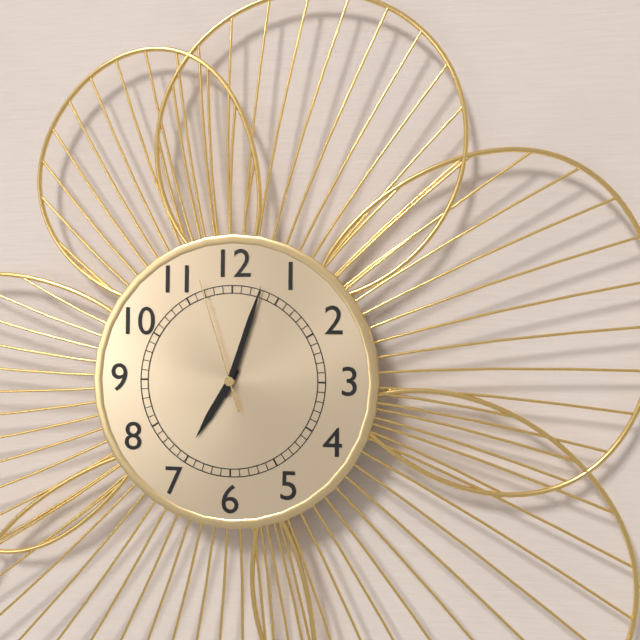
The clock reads 7 h 03 min 57 s
